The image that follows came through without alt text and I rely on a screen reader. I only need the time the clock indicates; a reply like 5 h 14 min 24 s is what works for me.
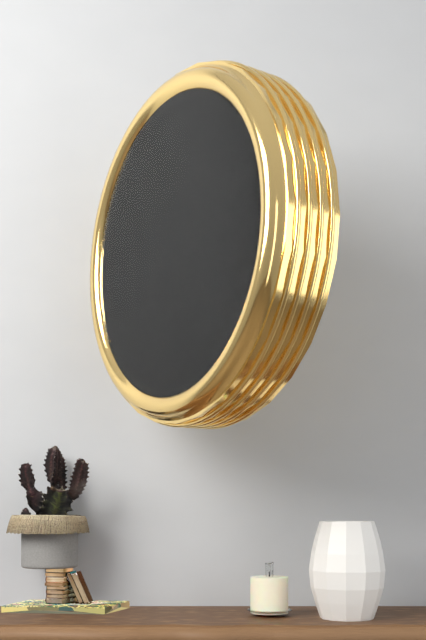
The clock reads 6 h 42 min 49 s
